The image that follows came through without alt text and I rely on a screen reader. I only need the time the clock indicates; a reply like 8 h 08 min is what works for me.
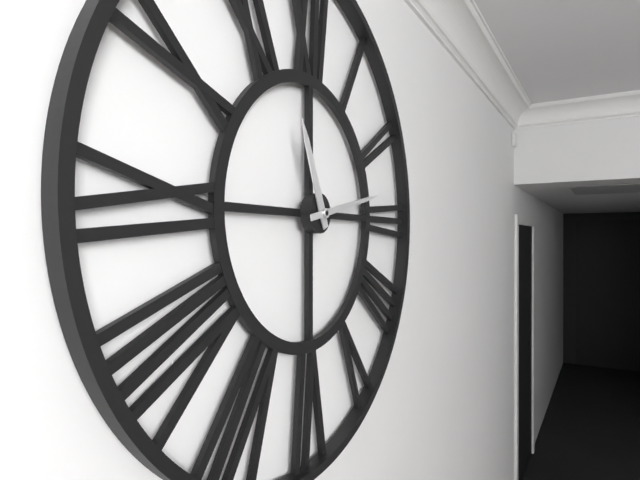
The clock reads 11 h 13 min
